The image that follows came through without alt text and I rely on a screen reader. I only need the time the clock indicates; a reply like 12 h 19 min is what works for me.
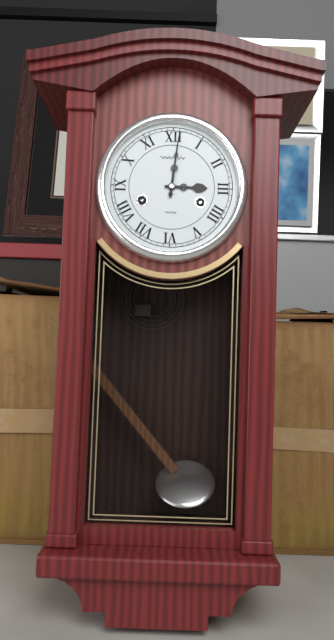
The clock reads 3 h 01 min
